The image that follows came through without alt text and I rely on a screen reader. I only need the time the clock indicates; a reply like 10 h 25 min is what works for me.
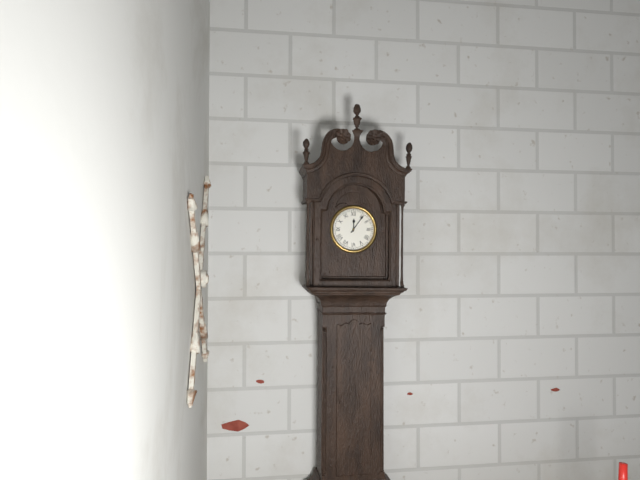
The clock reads 12 h 06 min
